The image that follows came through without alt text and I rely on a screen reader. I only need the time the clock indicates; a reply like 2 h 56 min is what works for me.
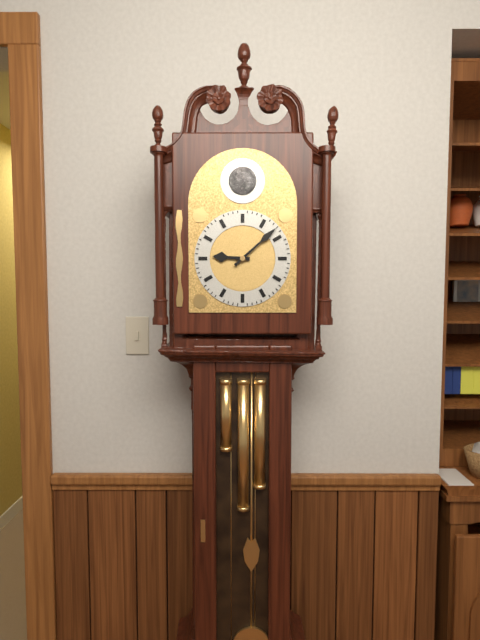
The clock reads 9 h 08 min
